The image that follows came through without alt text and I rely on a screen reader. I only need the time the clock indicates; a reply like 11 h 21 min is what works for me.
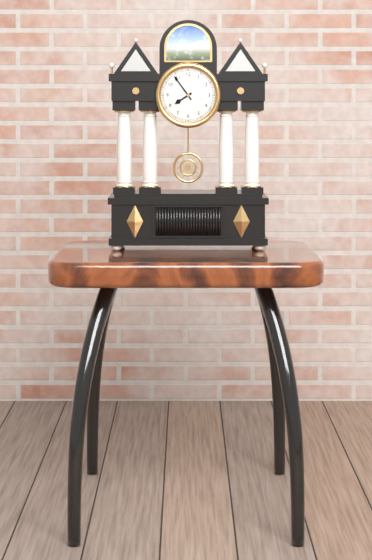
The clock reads 7 h 54 min
